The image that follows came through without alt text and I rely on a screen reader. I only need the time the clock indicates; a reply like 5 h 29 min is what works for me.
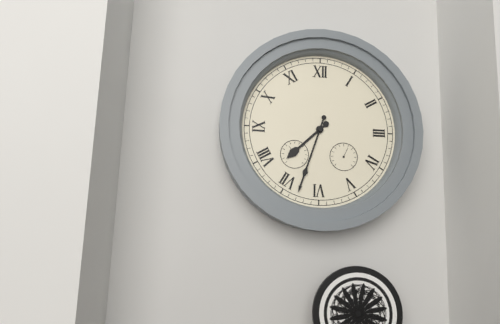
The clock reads 7 h 33 min
